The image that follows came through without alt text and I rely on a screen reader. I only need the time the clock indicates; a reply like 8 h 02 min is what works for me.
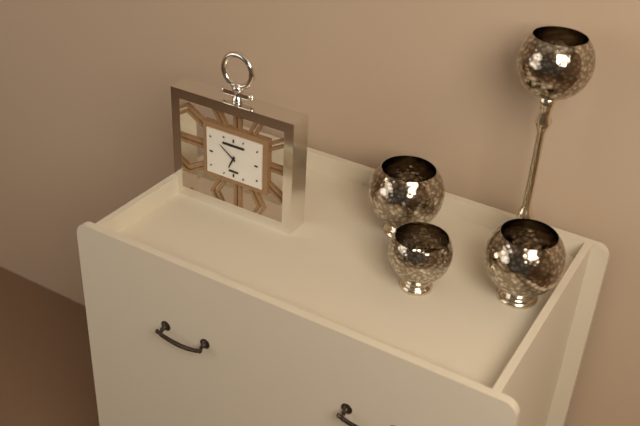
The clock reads 6 h 51 min
